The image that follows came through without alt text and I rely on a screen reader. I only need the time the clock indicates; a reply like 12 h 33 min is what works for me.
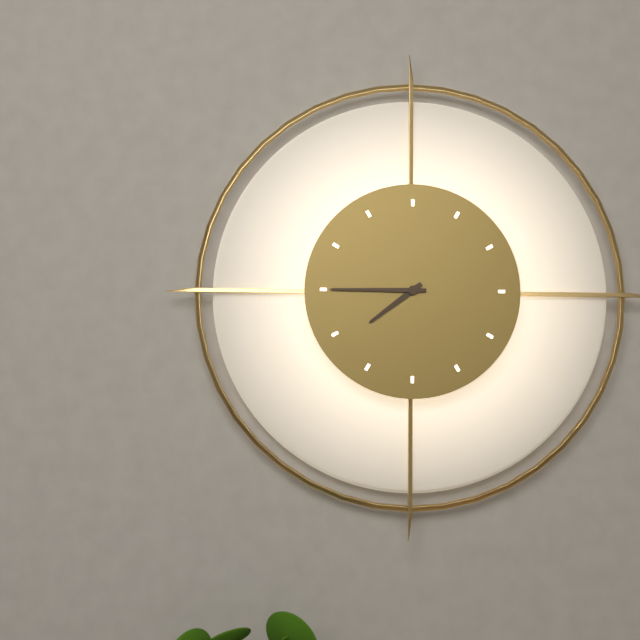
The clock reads 7 h 45 min
